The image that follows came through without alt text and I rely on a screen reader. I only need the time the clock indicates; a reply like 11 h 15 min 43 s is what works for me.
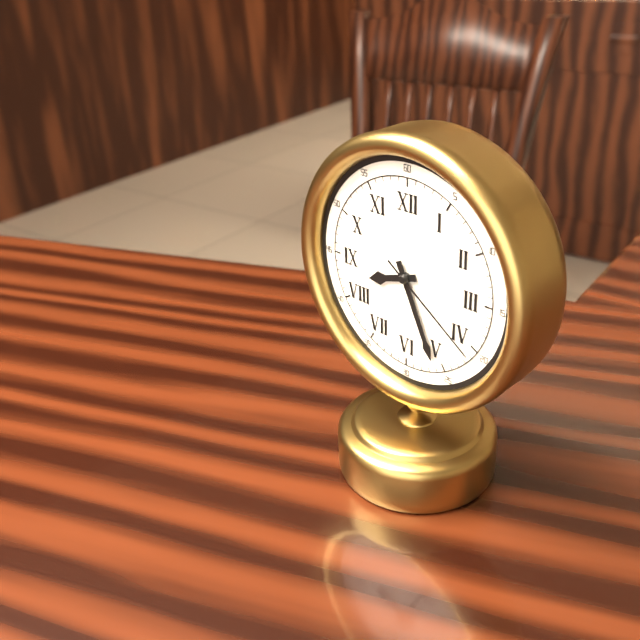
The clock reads 8 h 26 min 21 s
